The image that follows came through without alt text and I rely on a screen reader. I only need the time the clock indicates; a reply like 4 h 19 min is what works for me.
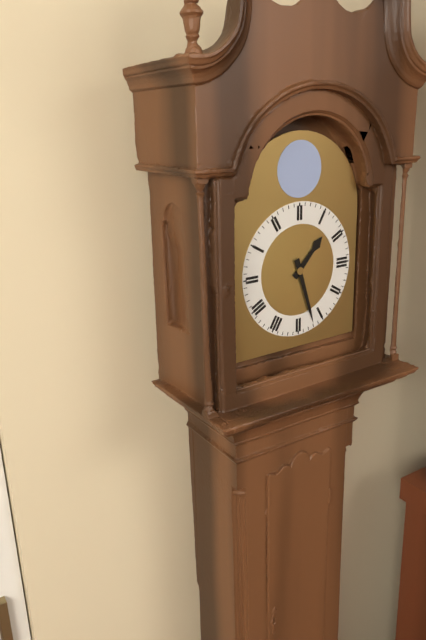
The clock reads 1 h 27 min
